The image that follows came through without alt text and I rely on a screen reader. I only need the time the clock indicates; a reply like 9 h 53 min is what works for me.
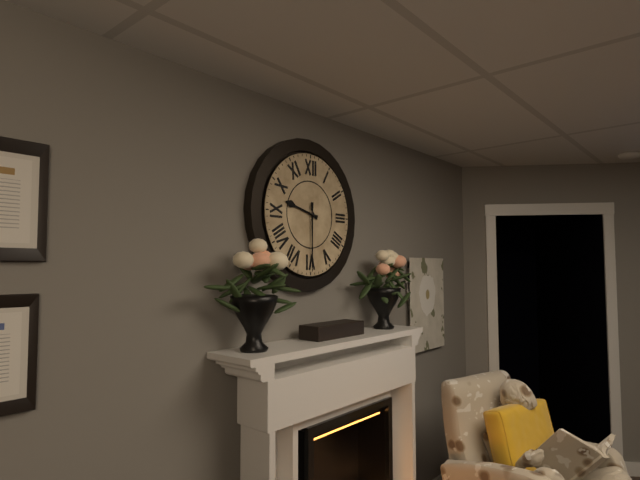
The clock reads 9 h 30 min
